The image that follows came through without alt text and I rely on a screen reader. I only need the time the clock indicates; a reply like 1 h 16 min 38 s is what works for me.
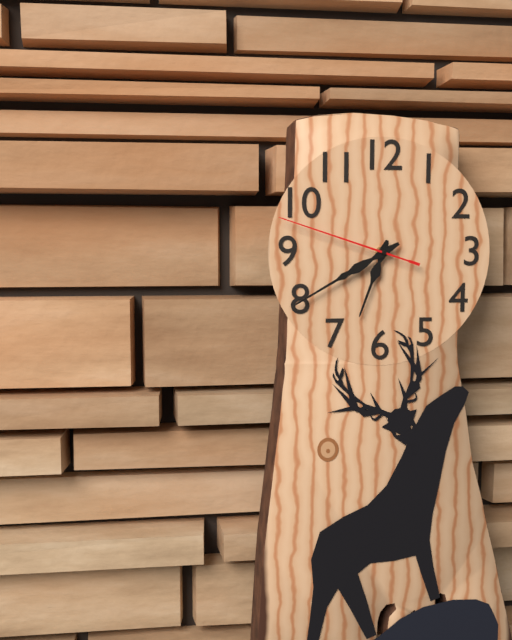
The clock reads 6 h 40 min 48 s
